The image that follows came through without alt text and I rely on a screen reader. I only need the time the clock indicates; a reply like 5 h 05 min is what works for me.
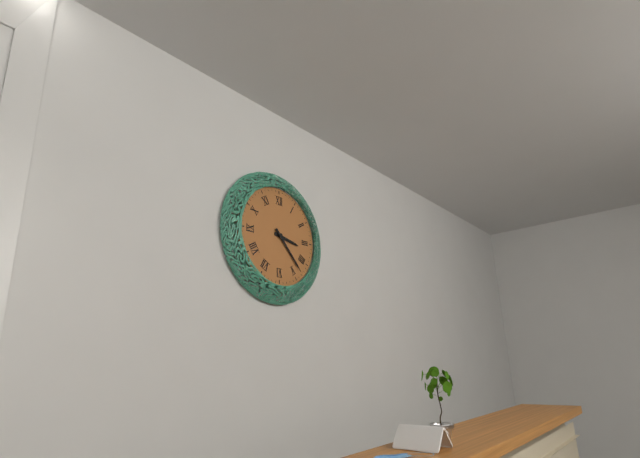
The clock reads 3 h 23 min
